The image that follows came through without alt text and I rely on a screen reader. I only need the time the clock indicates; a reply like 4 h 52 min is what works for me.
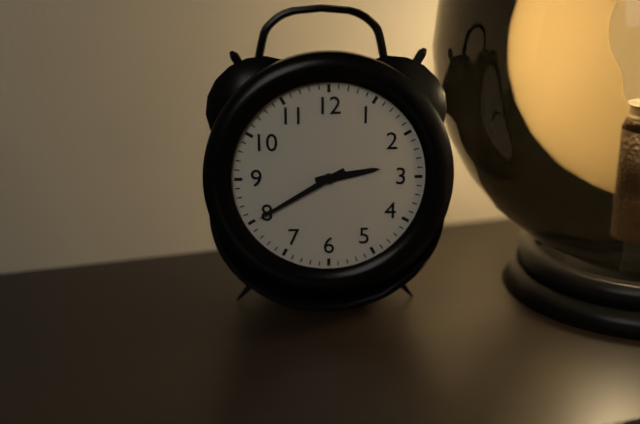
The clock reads 2 h 40 min
